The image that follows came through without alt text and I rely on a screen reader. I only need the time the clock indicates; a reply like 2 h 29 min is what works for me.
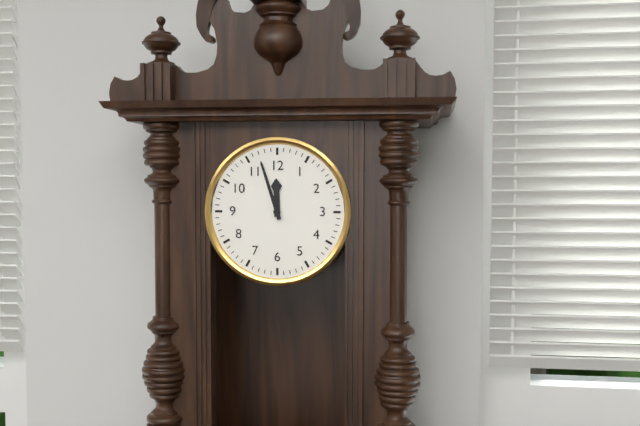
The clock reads 11 h 57 min
